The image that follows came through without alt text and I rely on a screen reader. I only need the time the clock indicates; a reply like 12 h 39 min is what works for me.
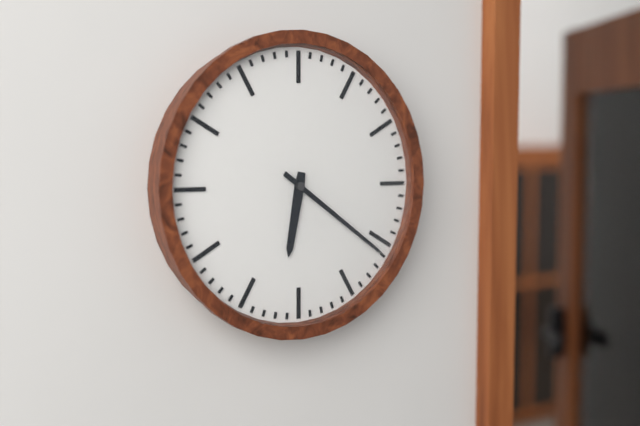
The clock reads 6 h 21 min
